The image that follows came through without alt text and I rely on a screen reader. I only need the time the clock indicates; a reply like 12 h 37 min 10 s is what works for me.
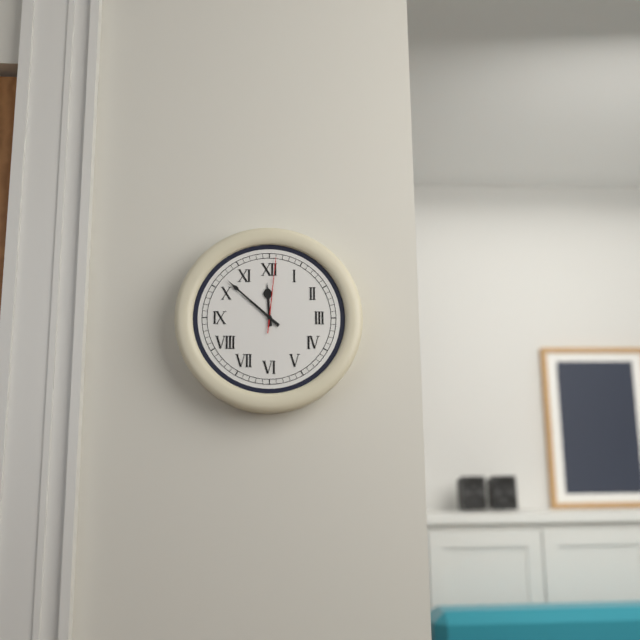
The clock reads 11 h 52 min 01 s
